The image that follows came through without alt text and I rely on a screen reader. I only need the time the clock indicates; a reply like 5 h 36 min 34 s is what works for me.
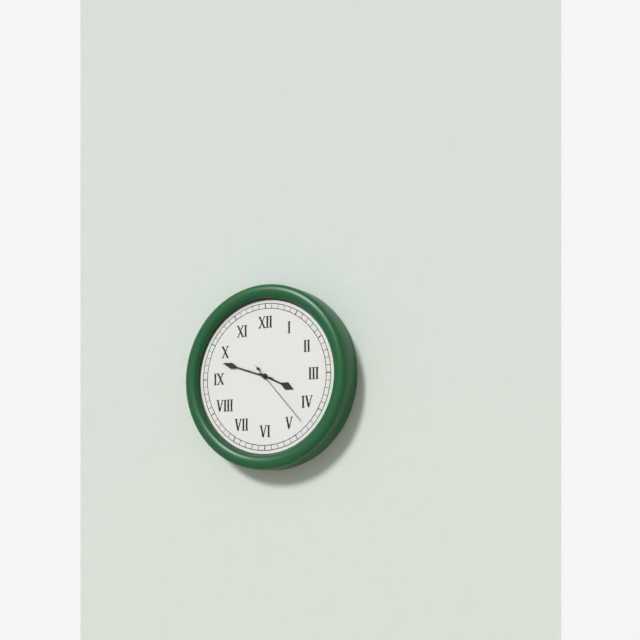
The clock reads 3 h 48 min 23 s
